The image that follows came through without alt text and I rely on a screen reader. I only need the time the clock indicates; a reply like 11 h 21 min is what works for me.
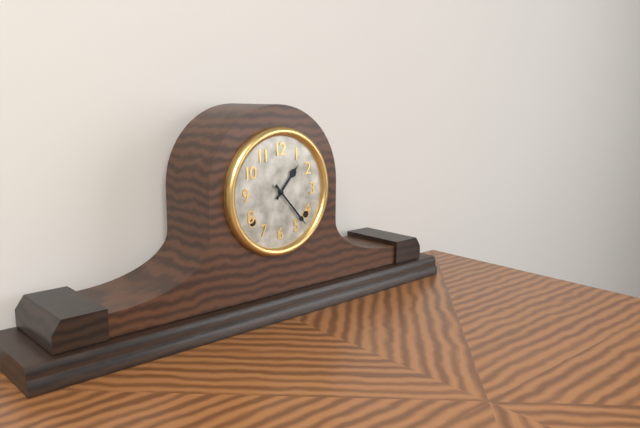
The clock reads 1 h 23 min
